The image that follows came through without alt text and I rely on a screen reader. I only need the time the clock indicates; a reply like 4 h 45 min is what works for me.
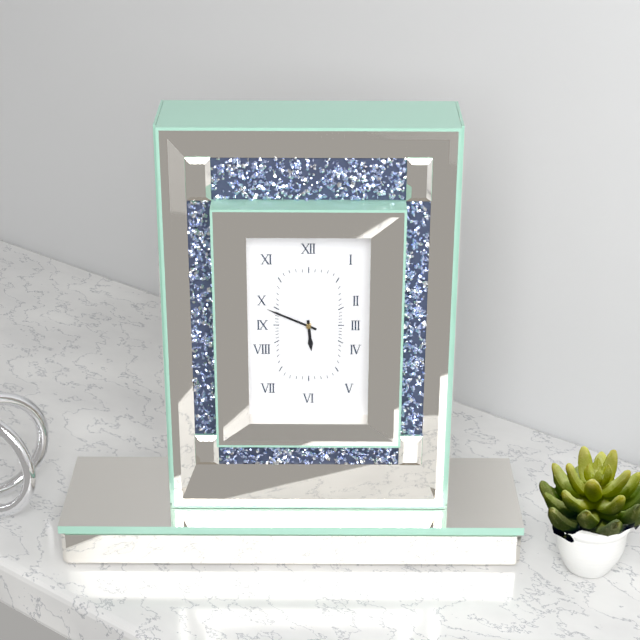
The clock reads 5 h 49 min
